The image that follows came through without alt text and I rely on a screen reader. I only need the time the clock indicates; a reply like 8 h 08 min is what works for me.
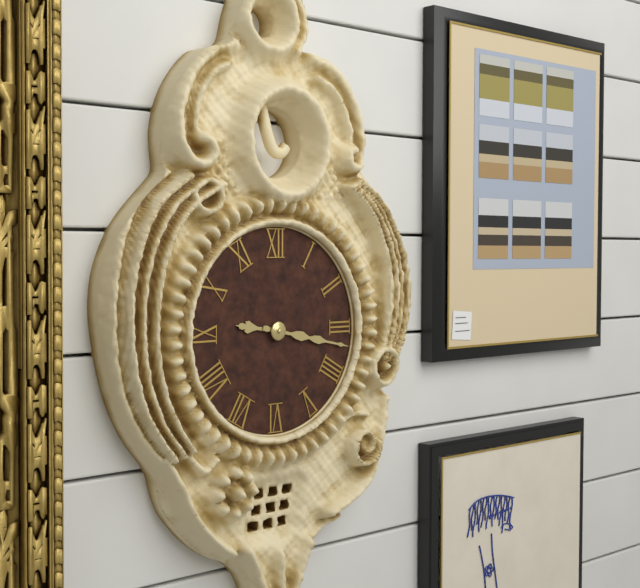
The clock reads 9 h 17 min
